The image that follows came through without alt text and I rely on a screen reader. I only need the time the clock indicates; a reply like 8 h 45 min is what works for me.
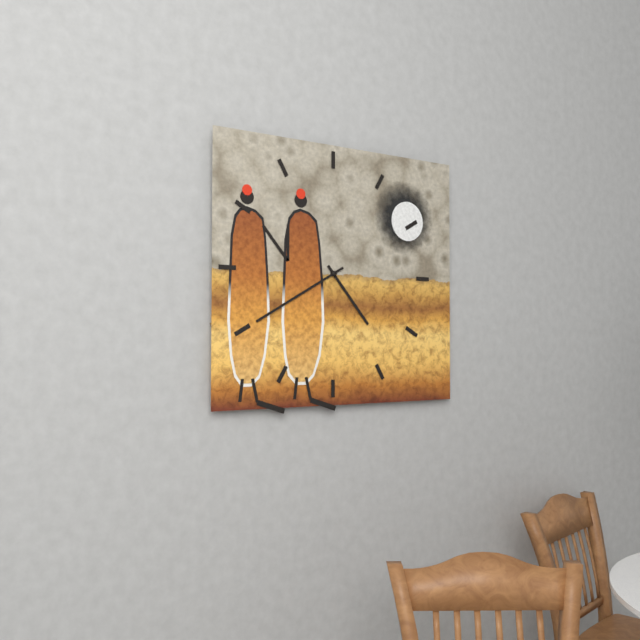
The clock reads 4 h 40 min
